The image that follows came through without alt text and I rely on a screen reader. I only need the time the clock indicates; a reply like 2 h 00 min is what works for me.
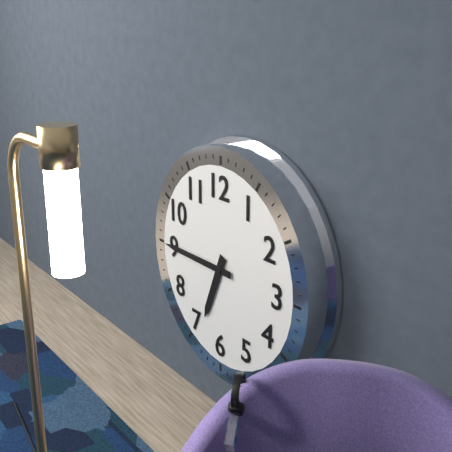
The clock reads 6 h 45 min
